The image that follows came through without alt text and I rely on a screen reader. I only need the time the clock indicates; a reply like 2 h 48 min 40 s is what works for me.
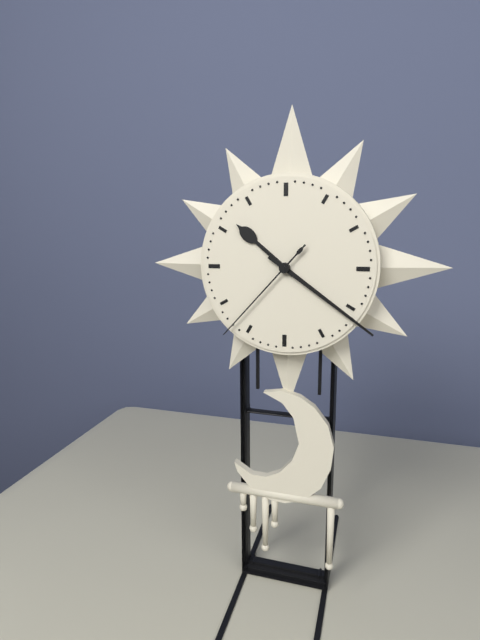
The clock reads 10 h 21 min 37 s
